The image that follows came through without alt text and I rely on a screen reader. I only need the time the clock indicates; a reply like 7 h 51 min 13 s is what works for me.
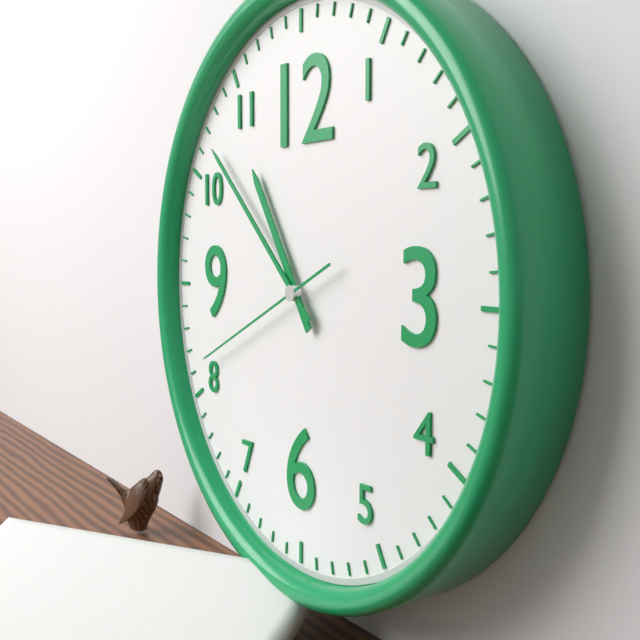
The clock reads 10 h 52 min 41 s
